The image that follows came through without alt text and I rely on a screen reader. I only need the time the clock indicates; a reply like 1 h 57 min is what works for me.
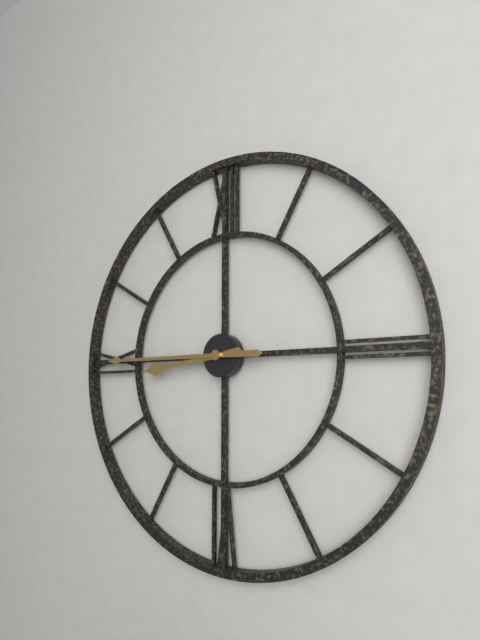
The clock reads 8 h 45 min
